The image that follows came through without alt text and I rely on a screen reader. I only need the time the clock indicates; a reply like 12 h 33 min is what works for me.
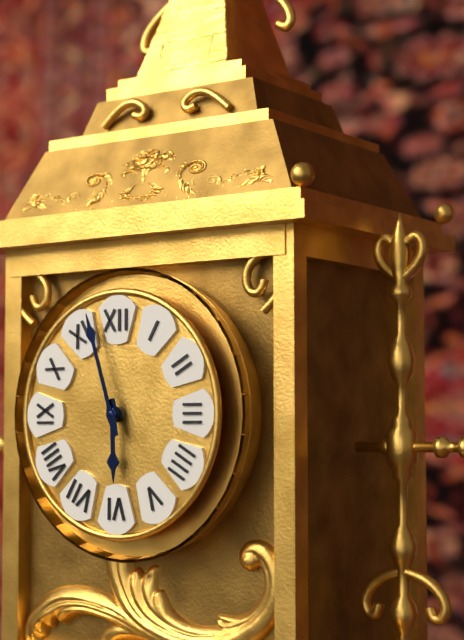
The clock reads 5 h 57 min
